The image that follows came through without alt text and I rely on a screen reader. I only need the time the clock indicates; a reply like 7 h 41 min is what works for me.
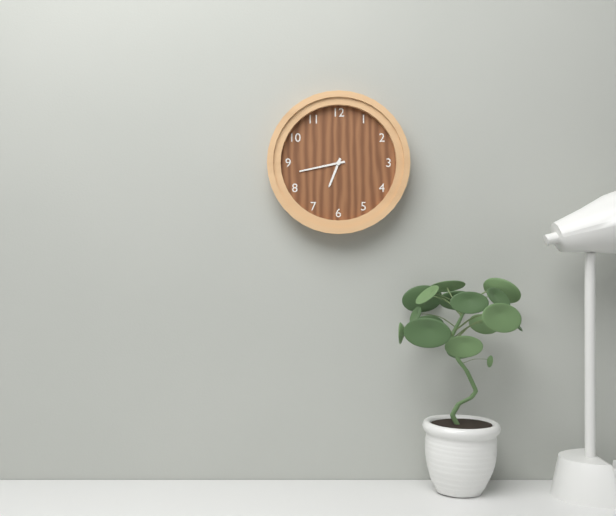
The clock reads 6 h 43 min
